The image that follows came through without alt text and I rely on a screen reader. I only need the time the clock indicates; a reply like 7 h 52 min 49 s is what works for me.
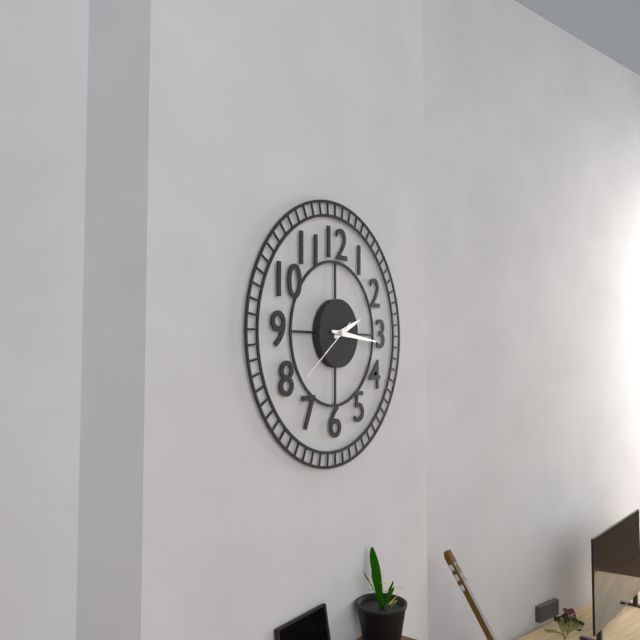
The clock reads 2 h 16 min 39 s
